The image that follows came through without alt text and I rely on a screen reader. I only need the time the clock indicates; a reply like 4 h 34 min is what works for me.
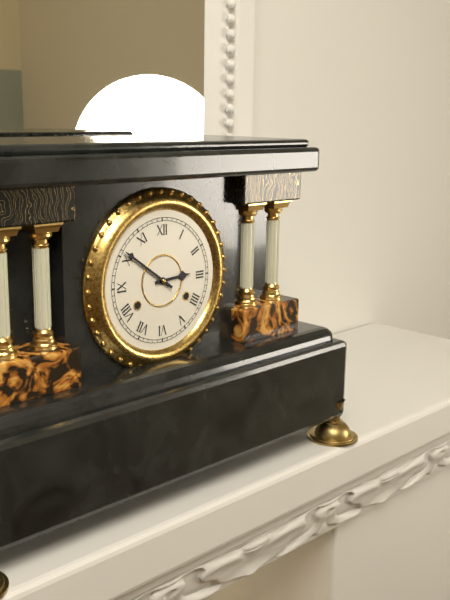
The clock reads 2 h 51 min
